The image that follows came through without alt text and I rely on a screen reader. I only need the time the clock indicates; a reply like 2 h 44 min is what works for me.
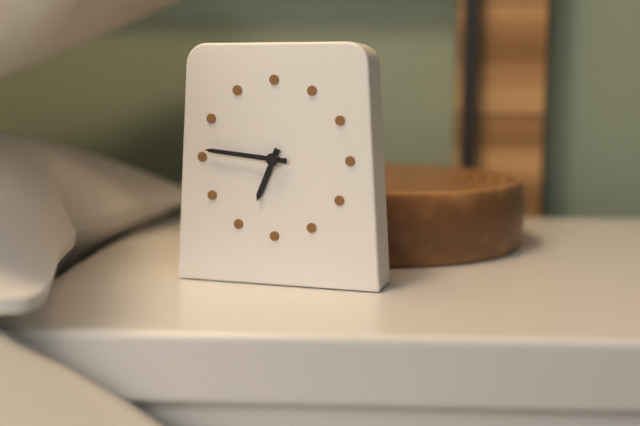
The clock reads 6 h 46 min
